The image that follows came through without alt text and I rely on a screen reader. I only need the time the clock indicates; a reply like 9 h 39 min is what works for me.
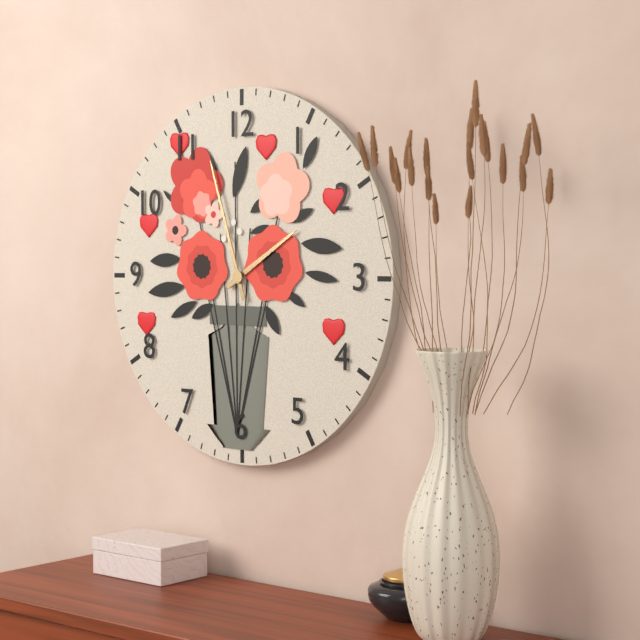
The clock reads 1 h 57 min
